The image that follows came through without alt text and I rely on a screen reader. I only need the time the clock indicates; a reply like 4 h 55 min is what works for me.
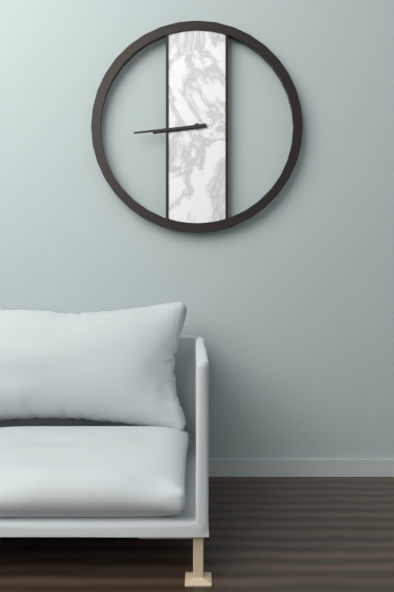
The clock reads 8 h 44 min
